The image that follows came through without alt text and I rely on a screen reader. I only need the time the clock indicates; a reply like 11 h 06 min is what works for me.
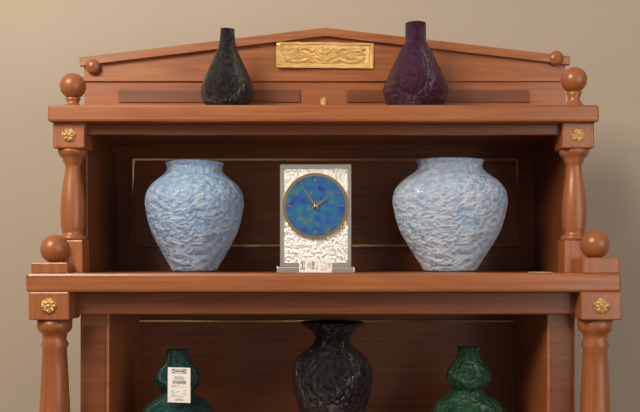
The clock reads 1 h 54 min
